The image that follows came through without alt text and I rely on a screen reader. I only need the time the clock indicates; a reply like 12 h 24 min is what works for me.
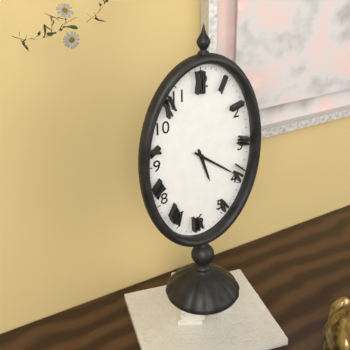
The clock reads 5 h 21 min
